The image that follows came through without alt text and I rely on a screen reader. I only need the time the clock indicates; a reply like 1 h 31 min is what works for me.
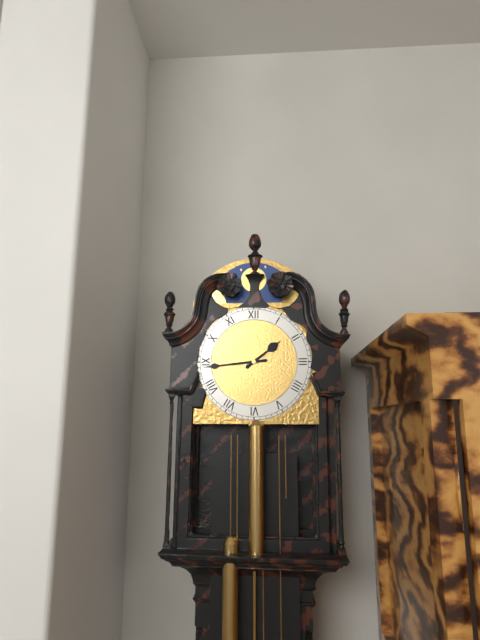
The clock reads 1 h 44 min
